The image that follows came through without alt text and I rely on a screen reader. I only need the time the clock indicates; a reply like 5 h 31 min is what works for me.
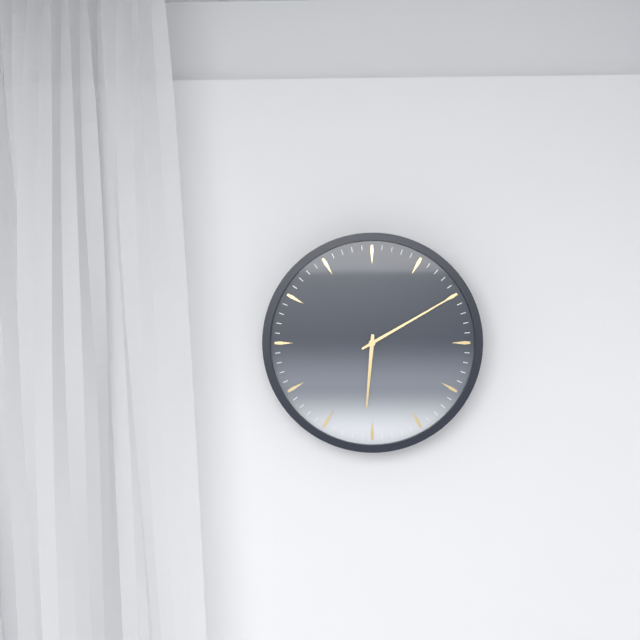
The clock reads 6 h 10 min
